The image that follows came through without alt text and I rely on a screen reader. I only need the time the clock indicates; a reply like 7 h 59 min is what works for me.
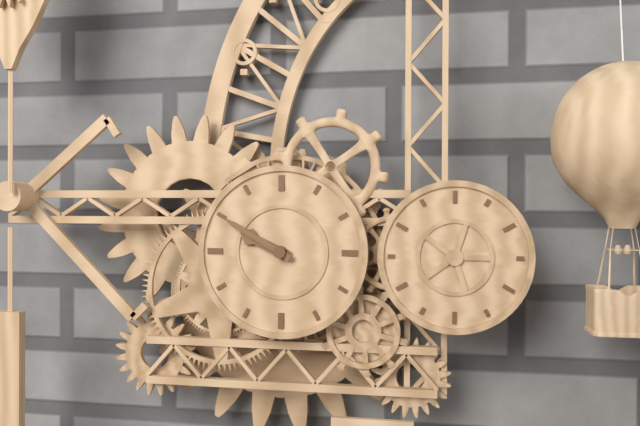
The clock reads 9 h 50 min
